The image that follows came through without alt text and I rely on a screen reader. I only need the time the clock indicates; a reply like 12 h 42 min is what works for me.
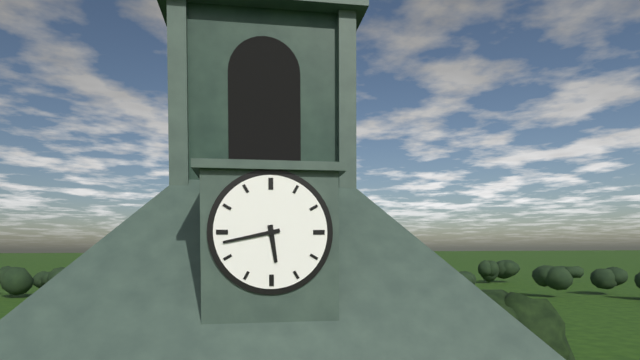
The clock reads 5 h 43 min
